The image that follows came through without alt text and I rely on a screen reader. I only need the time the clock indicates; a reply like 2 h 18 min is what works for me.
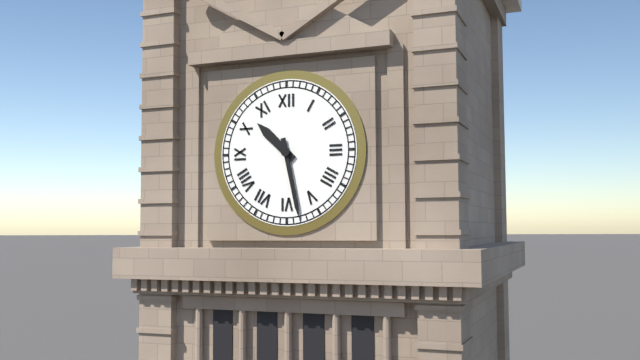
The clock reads 10 h 28 min
